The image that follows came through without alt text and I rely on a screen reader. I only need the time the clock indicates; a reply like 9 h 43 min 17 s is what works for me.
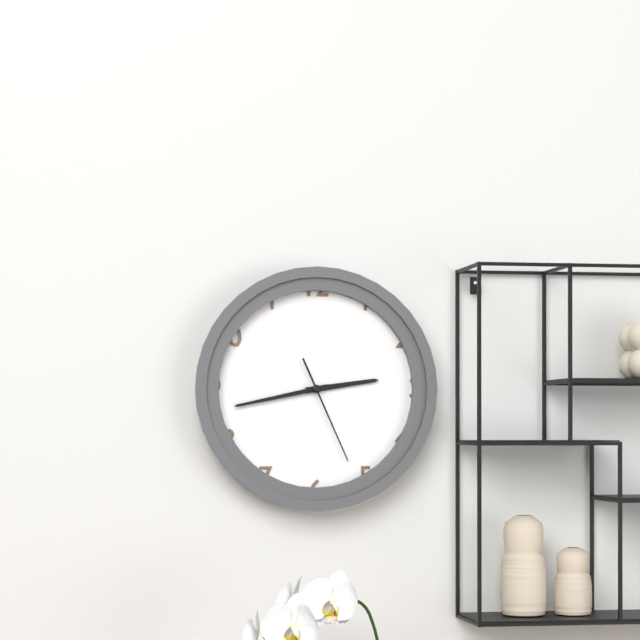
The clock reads 2 h 43 min 26 s
